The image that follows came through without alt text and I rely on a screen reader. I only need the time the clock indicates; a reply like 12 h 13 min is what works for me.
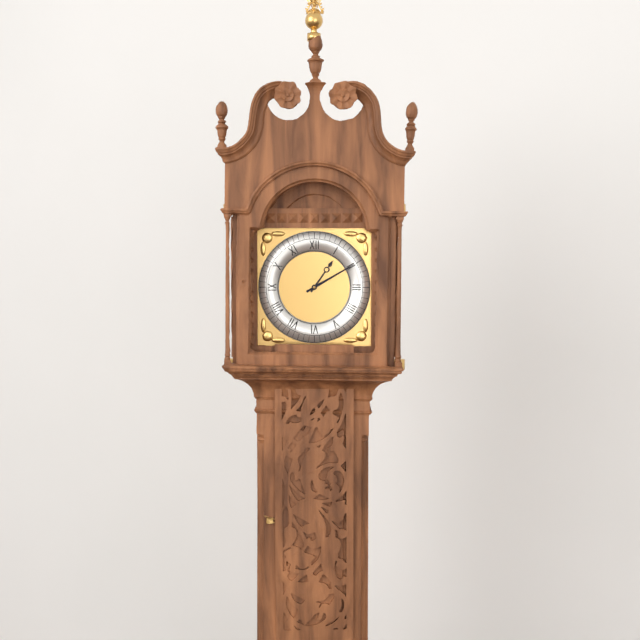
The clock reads 1 h 10 min
